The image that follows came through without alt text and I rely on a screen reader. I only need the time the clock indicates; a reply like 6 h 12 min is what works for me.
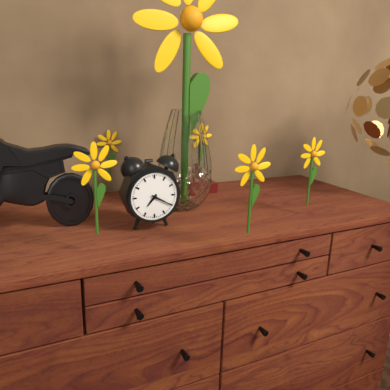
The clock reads 7 h 20 min
